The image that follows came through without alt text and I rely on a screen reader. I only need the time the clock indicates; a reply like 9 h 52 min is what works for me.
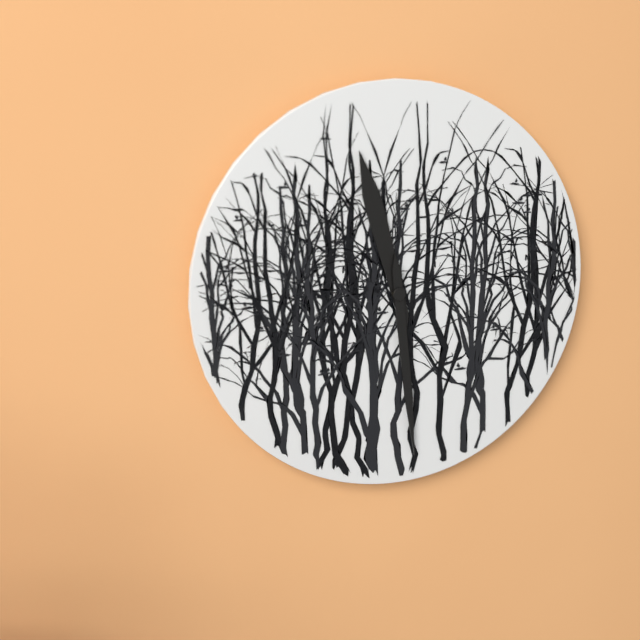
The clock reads 11 h 29 min
